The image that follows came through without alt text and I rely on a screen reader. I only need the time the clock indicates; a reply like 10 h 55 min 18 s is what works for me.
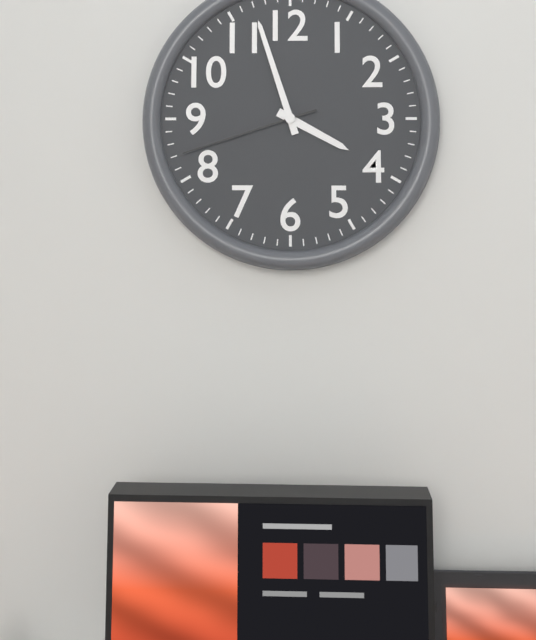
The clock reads 3 h 57 min 42 s
